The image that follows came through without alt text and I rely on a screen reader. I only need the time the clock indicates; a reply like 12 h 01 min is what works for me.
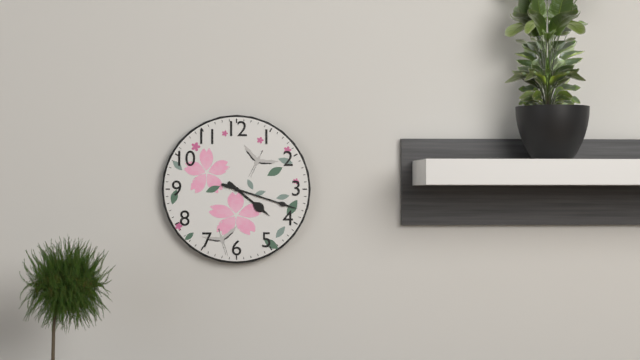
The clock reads 4 h 18 min
